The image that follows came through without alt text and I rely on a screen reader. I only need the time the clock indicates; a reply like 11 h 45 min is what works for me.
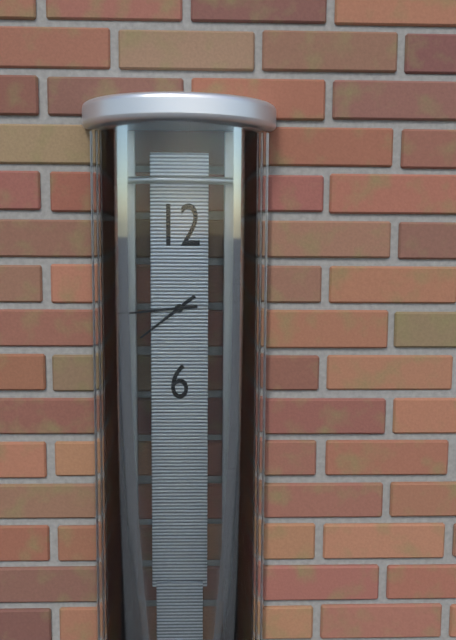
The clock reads 7 h 44 min
